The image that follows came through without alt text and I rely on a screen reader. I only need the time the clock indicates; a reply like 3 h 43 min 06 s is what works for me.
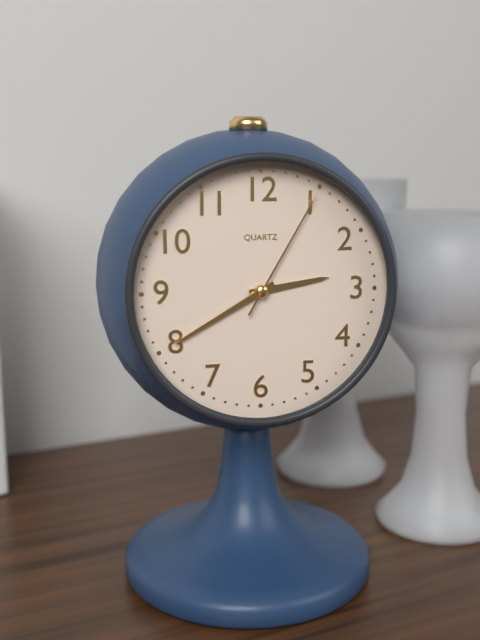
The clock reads 2 h 40 min 05 s
